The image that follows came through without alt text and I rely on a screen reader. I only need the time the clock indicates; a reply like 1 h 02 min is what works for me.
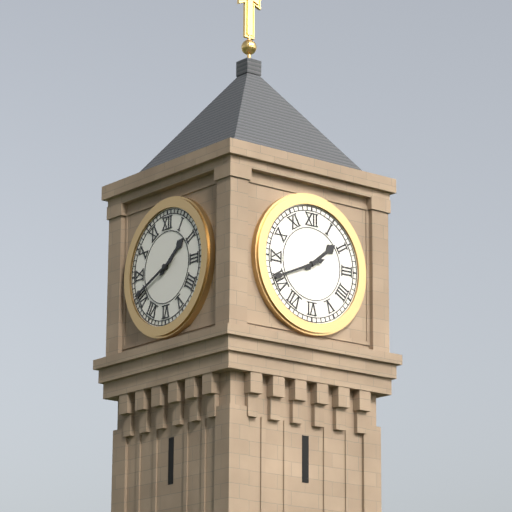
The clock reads 1 h 41 min
